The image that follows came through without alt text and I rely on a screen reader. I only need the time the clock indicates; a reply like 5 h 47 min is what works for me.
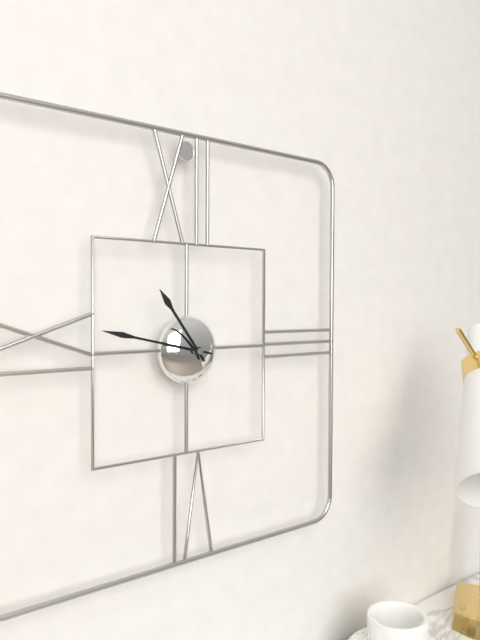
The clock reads 10 h 47 min
